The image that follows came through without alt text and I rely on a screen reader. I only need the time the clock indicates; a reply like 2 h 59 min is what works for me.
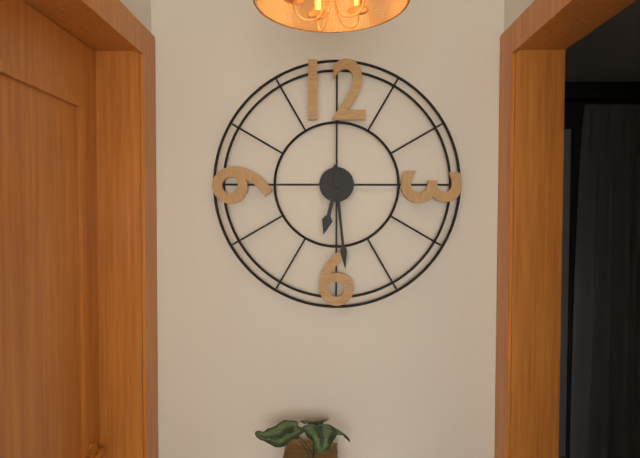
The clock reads 6 h 29 min
